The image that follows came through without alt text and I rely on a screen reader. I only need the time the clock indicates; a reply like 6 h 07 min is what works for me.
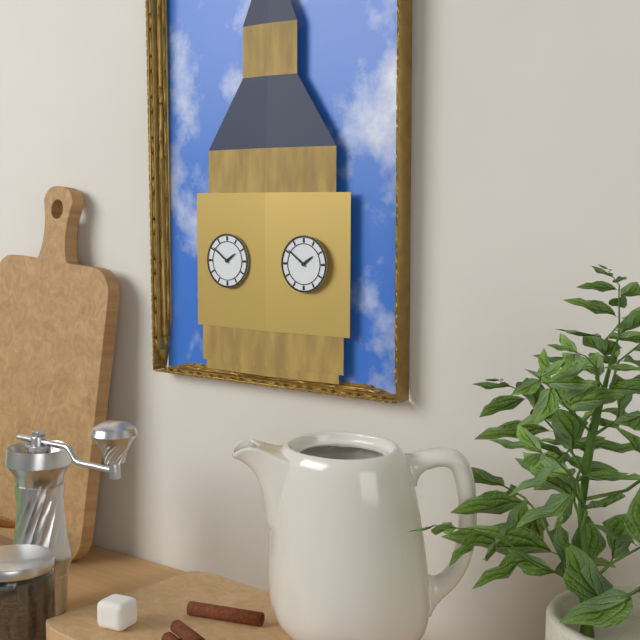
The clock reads 1 h 51 min
